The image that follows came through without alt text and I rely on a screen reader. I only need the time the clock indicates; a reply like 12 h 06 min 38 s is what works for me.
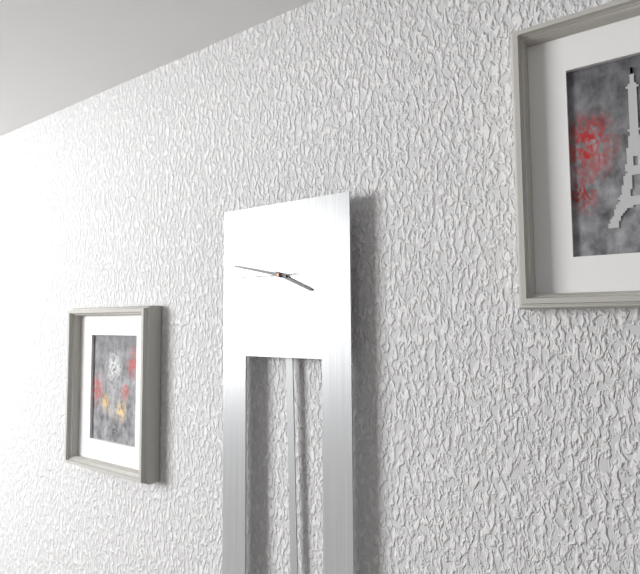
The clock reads 3 h 47 min 45 s
